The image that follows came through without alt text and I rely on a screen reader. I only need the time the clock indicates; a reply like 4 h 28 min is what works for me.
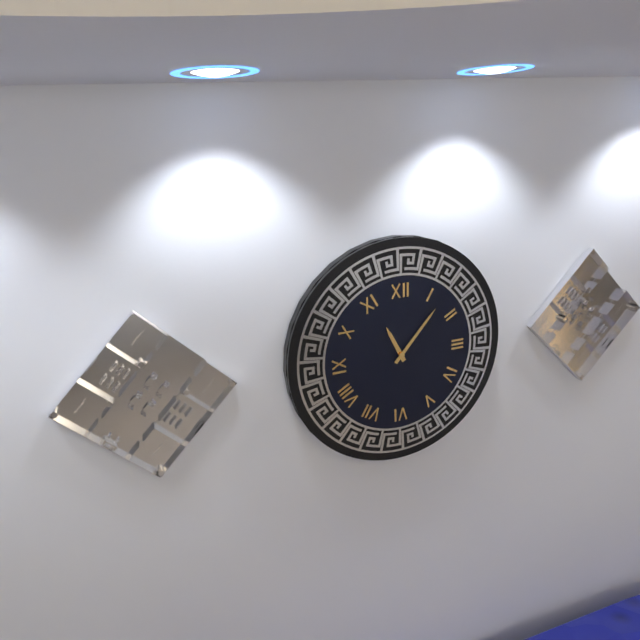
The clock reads 11 h 07 min
